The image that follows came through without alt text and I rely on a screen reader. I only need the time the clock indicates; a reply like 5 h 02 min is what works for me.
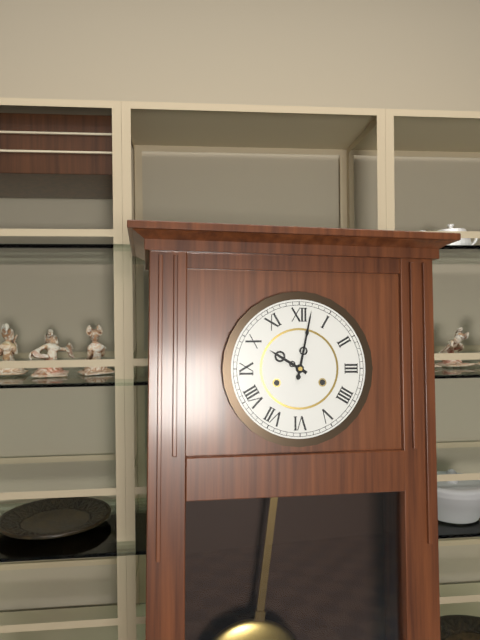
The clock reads 10 h 02 min
